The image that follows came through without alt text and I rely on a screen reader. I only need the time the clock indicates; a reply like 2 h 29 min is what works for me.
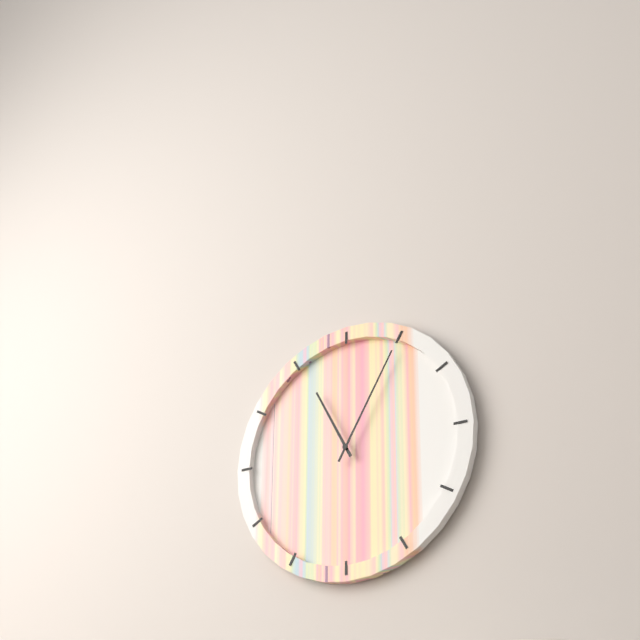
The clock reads 11 h 05 min
